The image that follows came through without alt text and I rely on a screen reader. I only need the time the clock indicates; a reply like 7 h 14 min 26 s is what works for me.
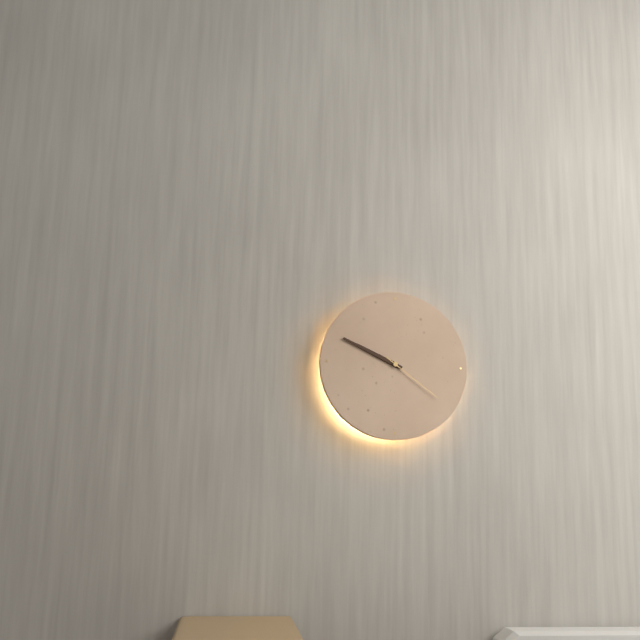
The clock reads 9 h 49 min 21 s
